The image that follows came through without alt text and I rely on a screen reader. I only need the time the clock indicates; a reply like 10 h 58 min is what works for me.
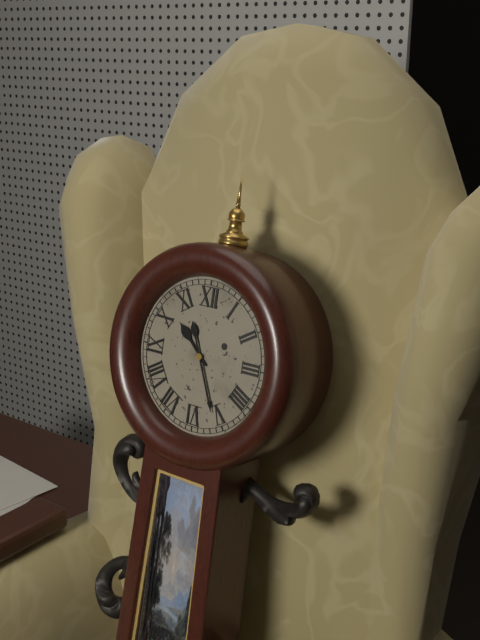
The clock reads 10 h 26 min
